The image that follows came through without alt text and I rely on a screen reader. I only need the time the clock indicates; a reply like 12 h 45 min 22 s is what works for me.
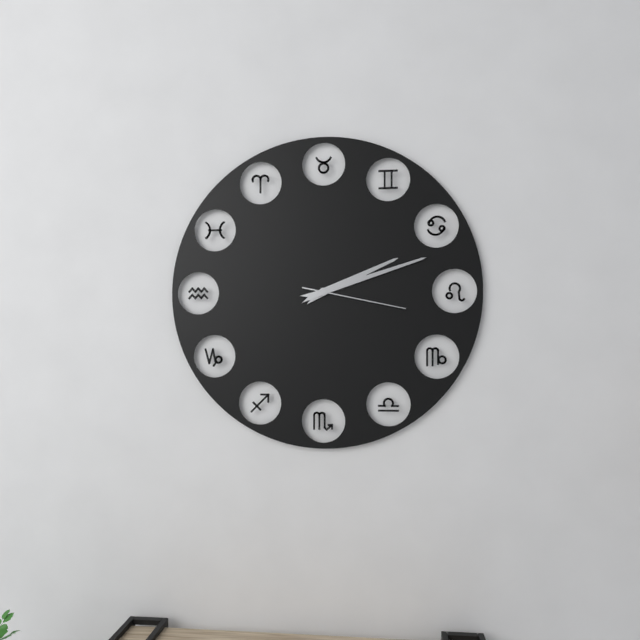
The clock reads 2 h 12 min 17 s
